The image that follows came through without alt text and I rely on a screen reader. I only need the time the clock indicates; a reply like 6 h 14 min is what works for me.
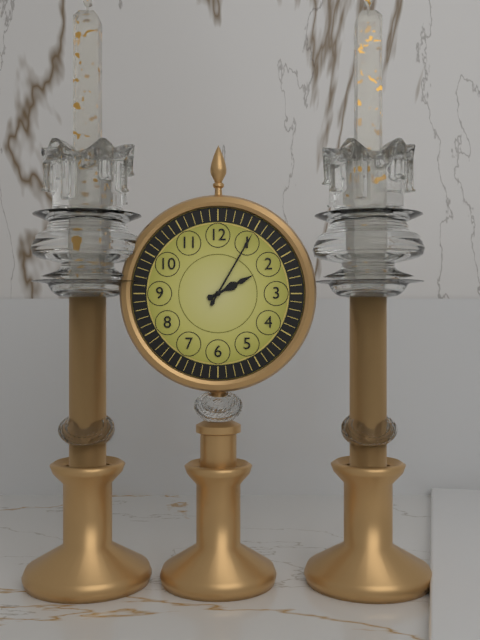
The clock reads 2 h 05 min
